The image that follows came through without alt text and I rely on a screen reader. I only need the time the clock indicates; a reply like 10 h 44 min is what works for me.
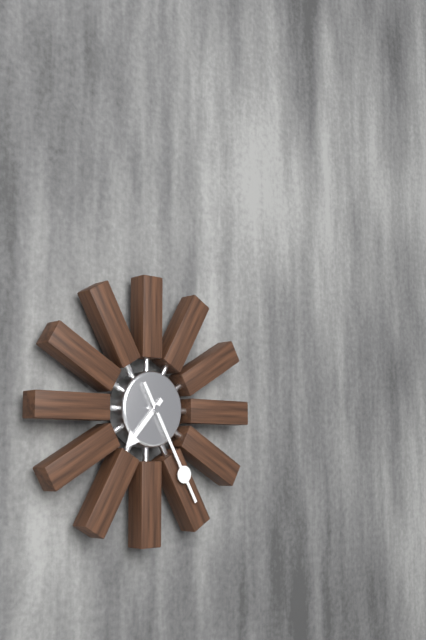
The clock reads 7 h 25 min
